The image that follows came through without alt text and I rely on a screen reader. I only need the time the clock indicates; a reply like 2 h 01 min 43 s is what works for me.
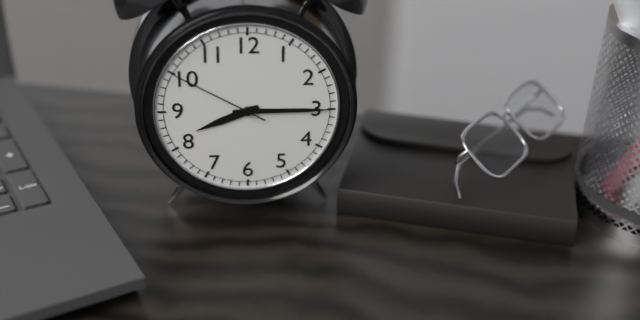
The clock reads 8 h 15 min 50 s
